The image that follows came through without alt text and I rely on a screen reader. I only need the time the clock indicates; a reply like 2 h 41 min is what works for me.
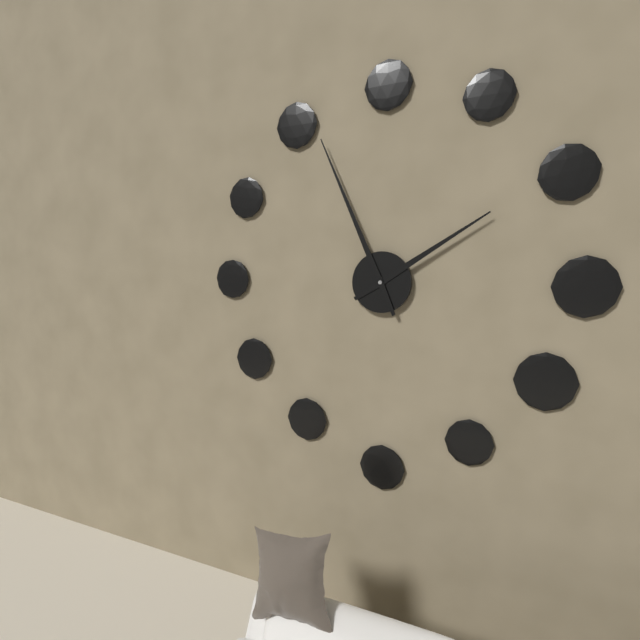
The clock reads 1 h 56 min
